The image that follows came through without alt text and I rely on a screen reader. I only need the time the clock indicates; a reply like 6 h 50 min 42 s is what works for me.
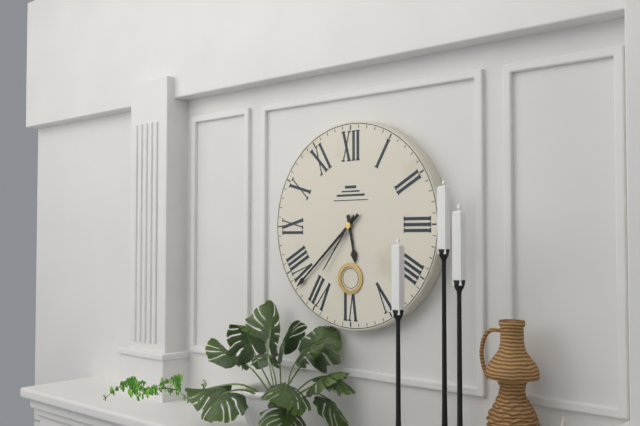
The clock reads 5 h 38 min 36 s
